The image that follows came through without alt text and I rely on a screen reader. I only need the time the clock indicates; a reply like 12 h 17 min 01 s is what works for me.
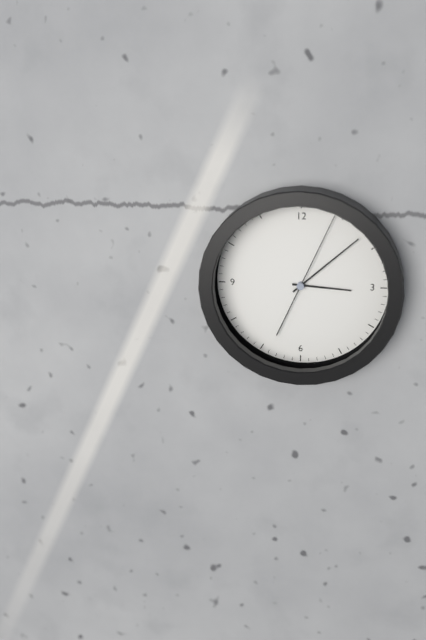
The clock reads 3 h 08 min 04 s
